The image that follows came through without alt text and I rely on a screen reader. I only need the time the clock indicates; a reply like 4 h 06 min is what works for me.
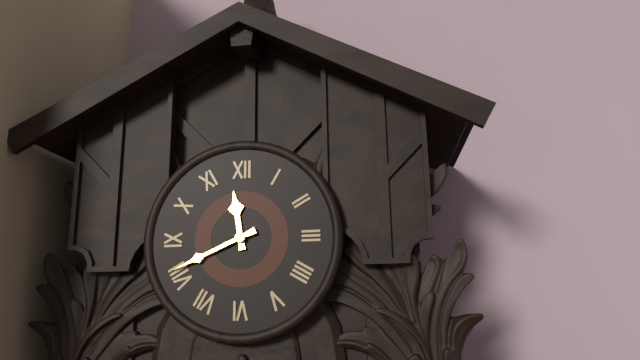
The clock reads 11 h 41 min
